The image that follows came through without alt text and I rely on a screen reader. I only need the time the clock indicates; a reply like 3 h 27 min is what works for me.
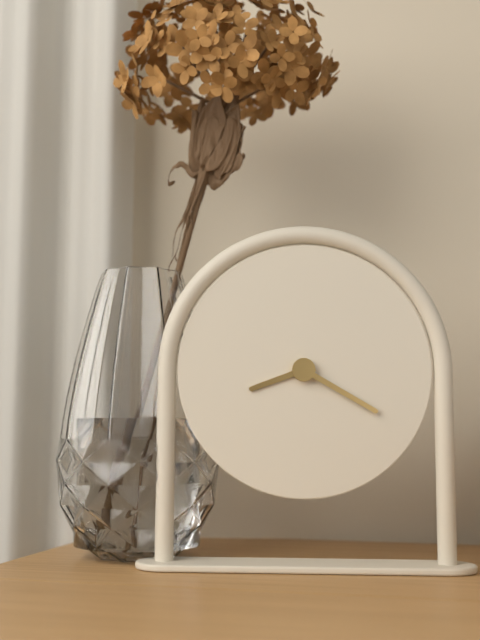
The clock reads 8 h 20 min
